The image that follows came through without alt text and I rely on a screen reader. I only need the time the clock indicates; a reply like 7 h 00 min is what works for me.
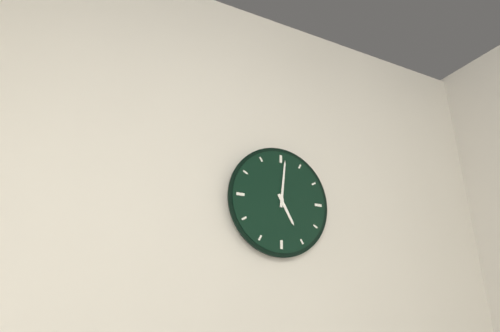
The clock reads 5 h 01 min
